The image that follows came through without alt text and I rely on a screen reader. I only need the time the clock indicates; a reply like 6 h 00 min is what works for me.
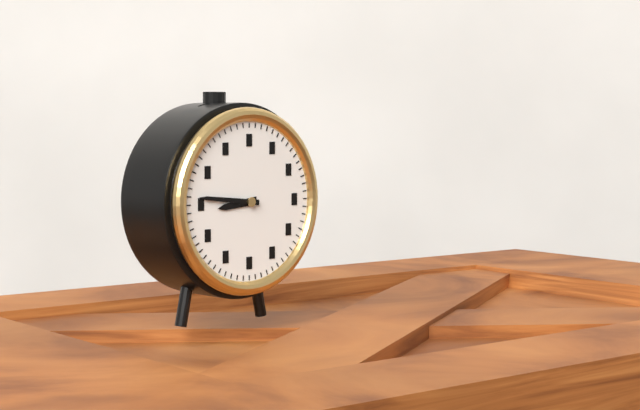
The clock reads 8 h 46 min
